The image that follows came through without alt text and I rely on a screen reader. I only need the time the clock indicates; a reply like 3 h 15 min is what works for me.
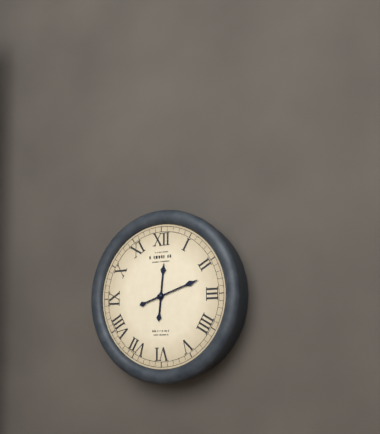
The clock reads 12 h 12 min
